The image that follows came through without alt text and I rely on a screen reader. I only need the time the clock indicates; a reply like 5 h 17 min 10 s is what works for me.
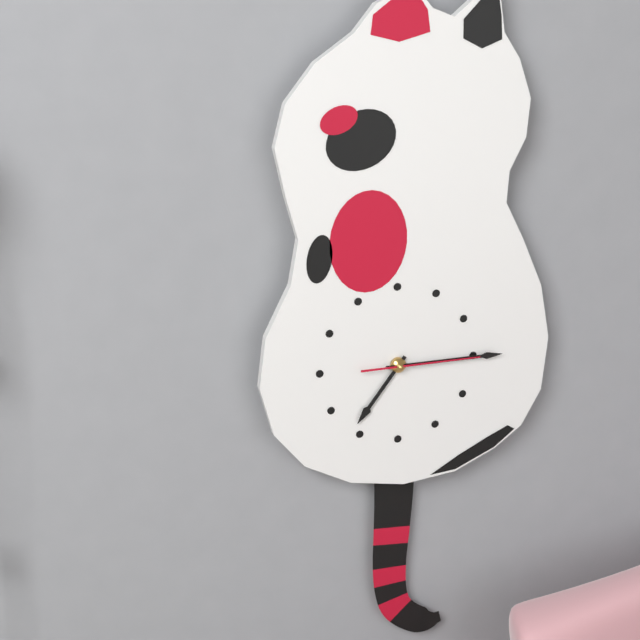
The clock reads 7 h 15 min 15 s
